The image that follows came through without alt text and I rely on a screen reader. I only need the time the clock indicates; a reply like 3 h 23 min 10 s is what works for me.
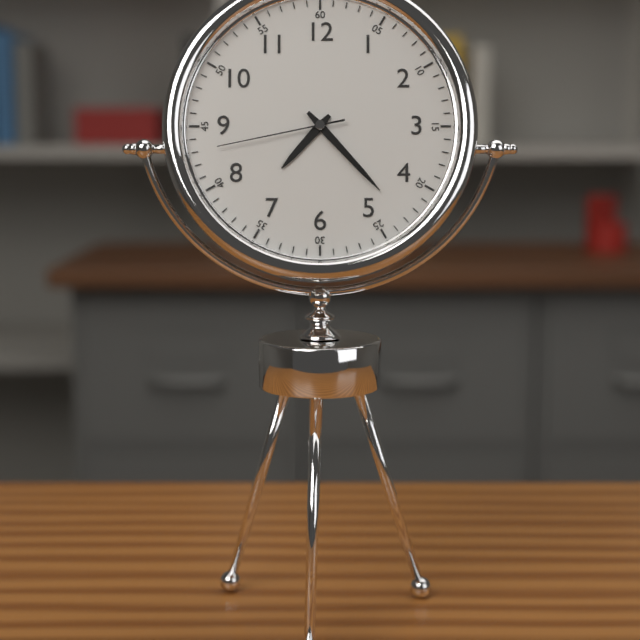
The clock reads 7 h 23 min 43 s
